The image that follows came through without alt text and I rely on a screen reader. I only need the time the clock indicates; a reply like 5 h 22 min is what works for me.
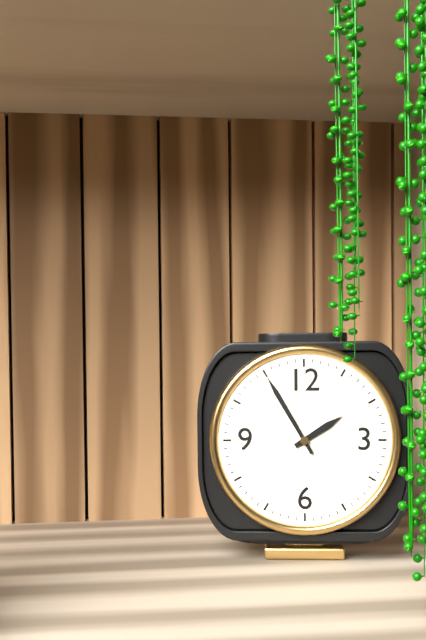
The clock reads 1 h 55 min
